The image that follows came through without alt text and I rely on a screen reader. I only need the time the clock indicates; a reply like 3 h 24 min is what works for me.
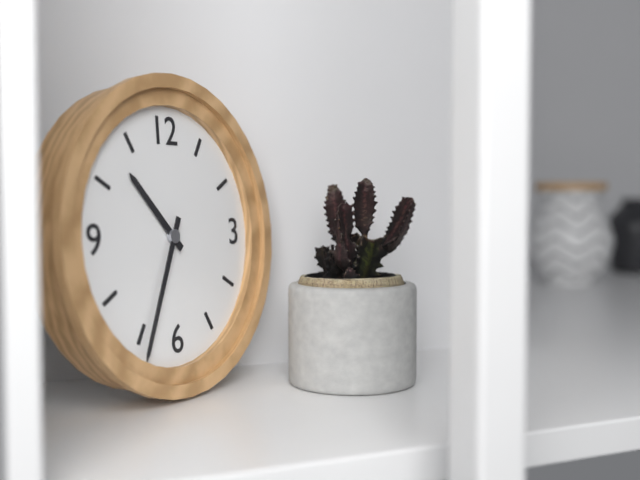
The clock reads 10 h 34 min
